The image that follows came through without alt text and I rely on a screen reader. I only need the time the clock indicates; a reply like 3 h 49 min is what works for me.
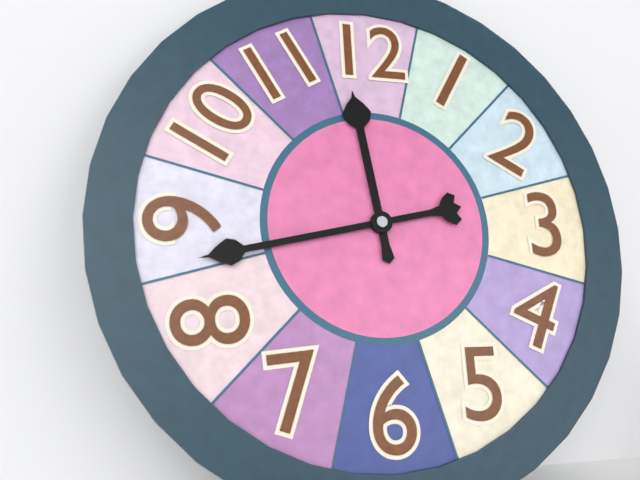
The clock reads 11 h 43 min
